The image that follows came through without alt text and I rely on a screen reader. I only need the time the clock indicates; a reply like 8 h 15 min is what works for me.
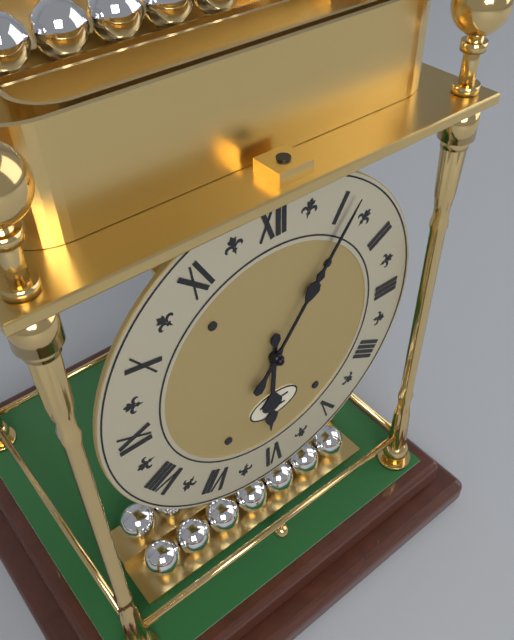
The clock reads 6 h 06 min
